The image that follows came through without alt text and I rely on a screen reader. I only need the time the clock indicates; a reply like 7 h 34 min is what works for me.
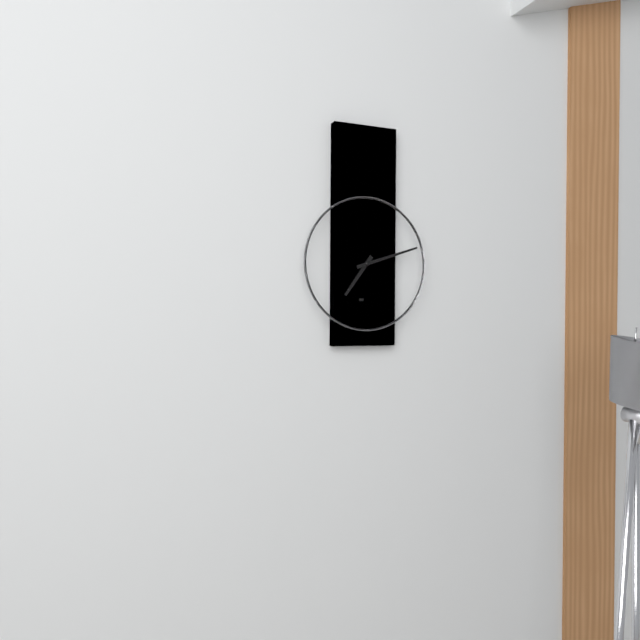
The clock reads 7 h 12 min
